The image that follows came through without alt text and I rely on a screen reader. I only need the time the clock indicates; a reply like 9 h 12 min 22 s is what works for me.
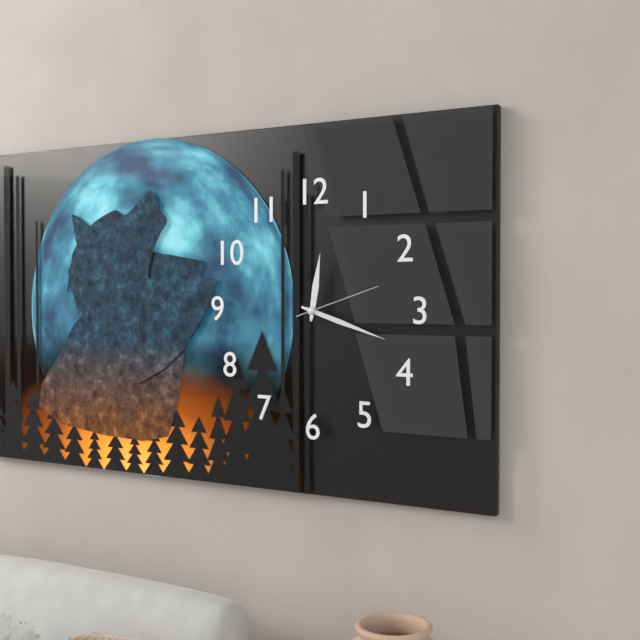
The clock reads 12 h 18 min 12 s
